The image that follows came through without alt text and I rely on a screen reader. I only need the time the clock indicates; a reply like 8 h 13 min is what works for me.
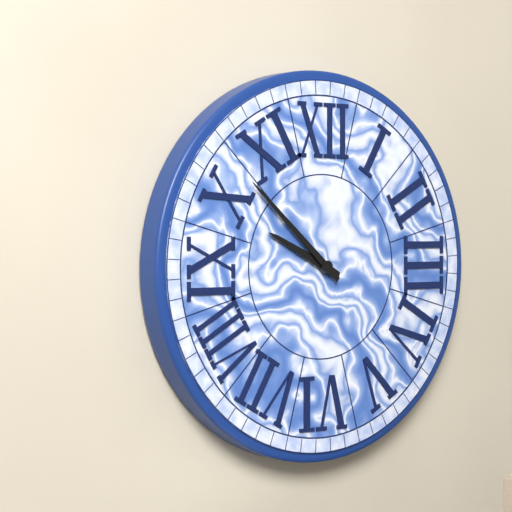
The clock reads 9 h 52 min
